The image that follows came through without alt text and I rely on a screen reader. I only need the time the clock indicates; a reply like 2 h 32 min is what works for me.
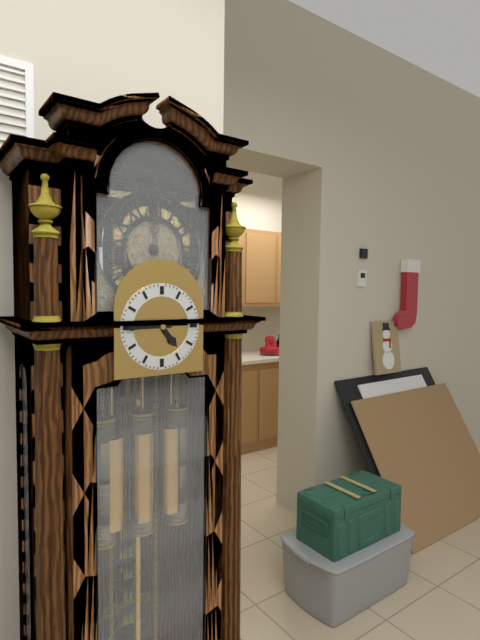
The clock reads 4 h 45 min
